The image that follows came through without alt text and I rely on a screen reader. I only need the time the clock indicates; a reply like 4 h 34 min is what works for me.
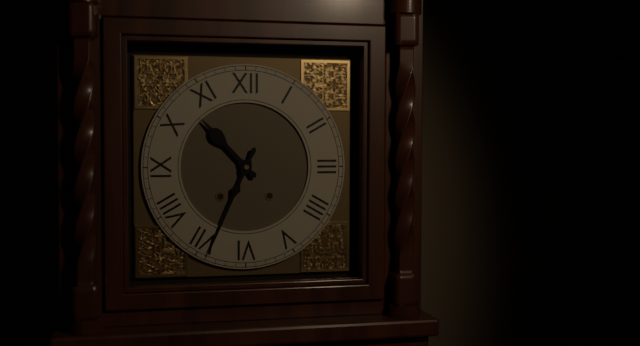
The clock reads 10 h 34 min
